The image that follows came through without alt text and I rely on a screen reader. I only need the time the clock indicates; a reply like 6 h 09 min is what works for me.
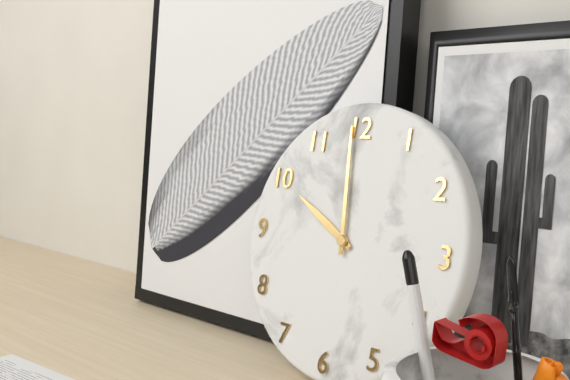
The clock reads 9 h 59 min
